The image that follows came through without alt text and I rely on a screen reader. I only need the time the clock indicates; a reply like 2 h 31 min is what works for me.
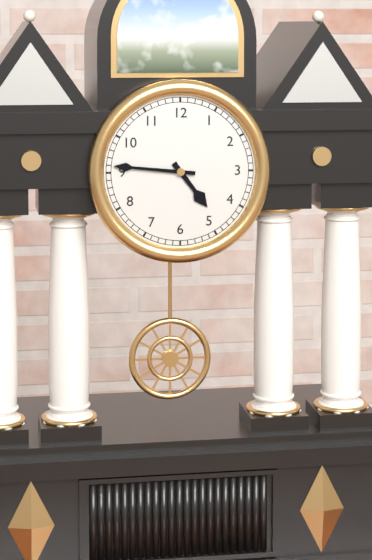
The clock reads 4 h 46 min
